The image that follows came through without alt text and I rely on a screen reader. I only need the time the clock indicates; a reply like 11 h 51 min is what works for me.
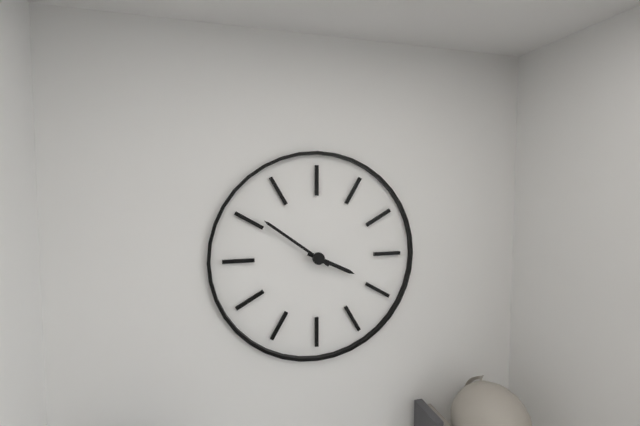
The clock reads 3 h 51 min
